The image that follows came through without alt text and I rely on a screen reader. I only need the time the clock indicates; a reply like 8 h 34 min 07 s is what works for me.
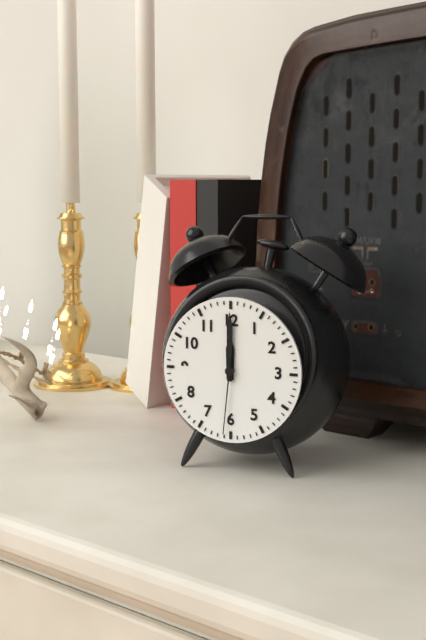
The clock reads 12 h 00 min 31 s
